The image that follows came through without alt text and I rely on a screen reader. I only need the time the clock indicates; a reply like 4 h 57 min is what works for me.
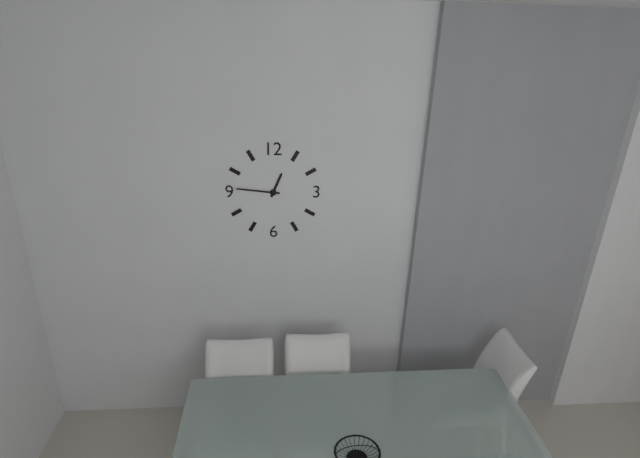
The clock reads 12 h 46 min
